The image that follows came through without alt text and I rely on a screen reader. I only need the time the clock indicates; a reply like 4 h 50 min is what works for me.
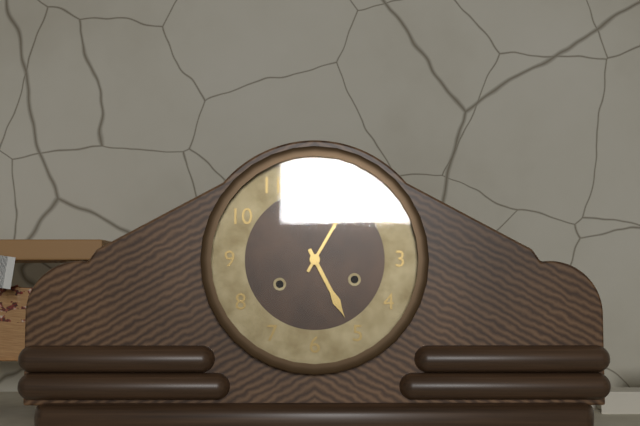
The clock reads 5 h 05 min
